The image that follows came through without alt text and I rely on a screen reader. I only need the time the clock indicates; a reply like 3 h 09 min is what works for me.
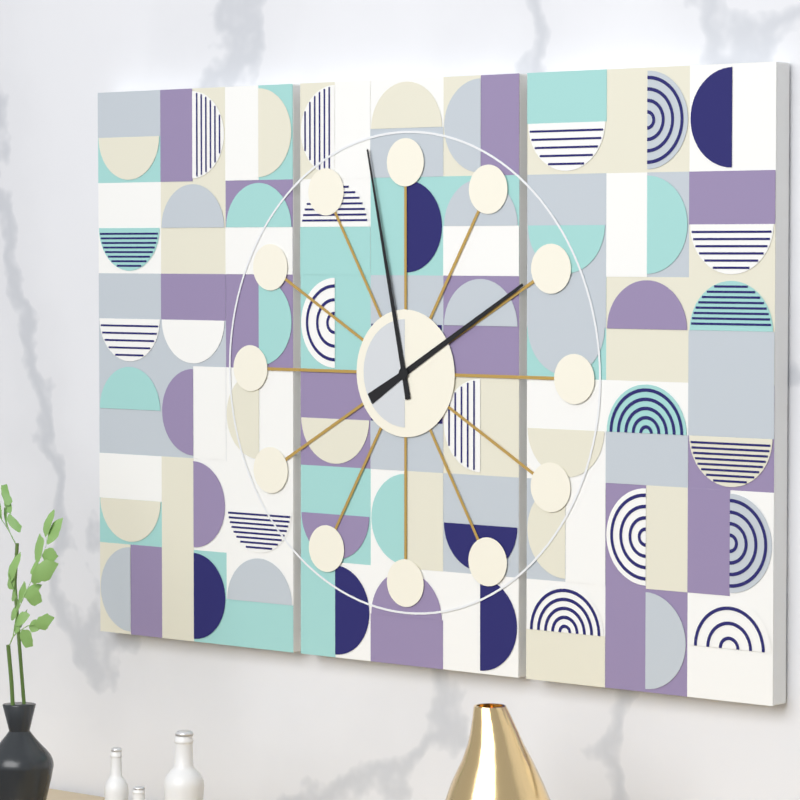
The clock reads 1 h 58 min
